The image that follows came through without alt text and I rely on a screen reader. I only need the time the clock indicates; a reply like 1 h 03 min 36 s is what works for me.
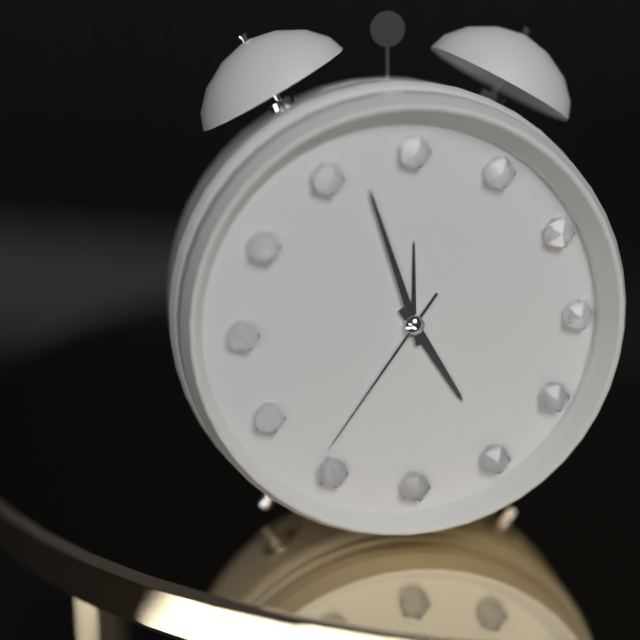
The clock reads 4 h 57 min 36 s
